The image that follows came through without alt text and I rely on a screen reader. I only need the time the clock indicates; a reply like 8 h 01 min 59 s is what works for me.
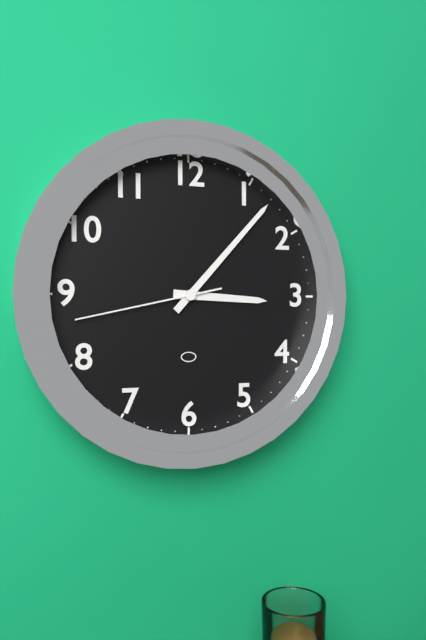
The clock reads 3 h 07 min 43 s
